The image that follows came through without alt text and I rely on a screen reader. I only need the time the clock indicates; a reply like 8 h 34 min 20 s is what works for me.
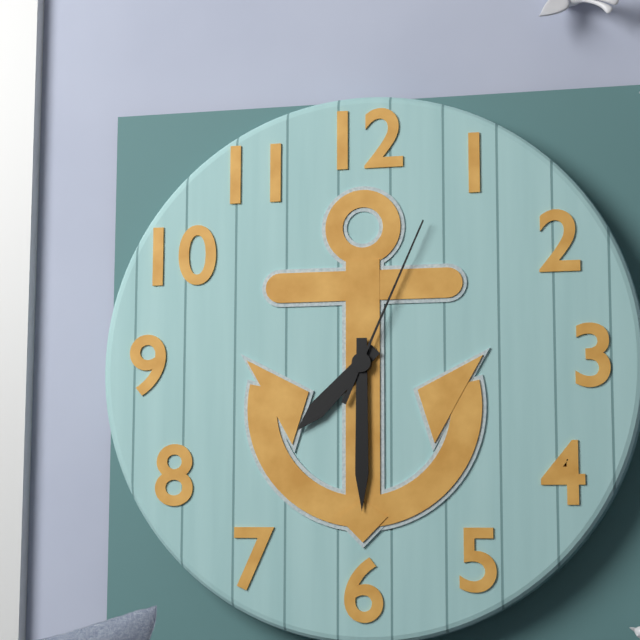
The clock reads 7 h 30 min 04 s
